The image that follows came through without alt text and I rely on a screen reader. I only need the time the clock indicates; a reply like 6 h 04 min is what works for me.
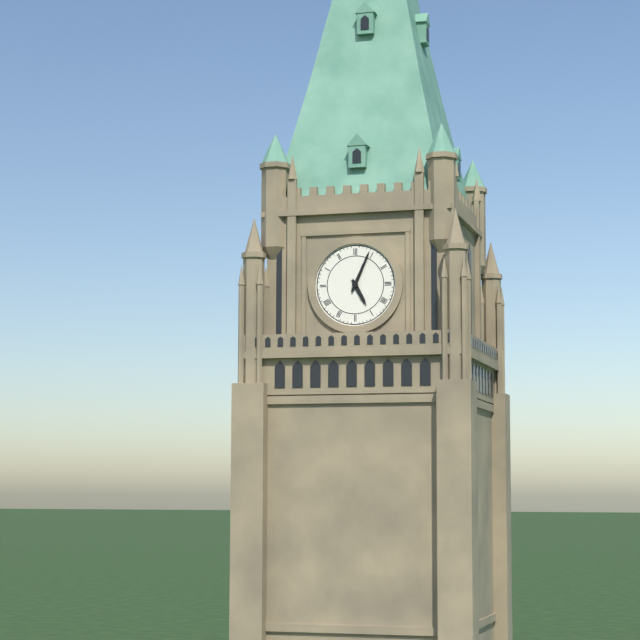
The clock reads 5 h 04 min
